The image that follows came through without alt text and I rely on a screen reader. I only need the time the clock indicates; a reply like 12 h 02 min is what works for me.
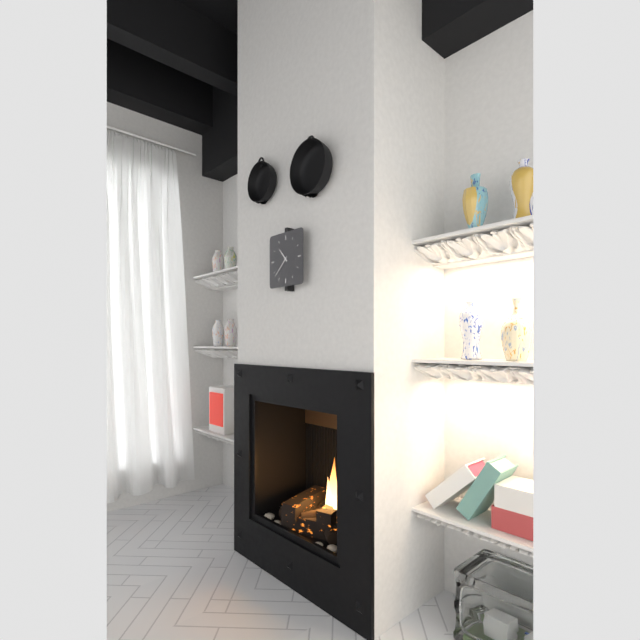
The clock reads 10 h 38 min
